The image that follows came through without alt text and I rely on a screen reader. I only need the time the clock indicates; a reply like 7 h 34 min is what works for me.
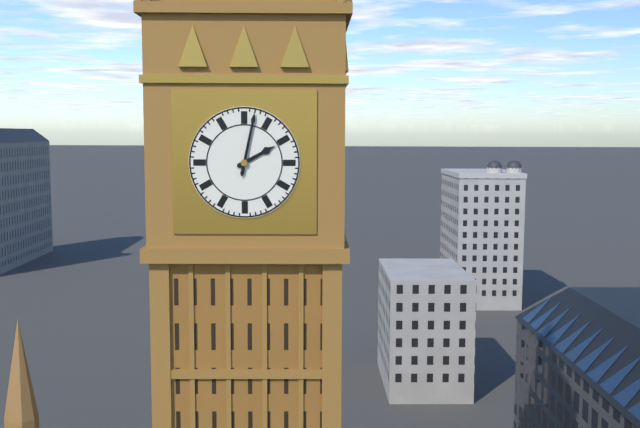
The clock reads 2 h 02 min
